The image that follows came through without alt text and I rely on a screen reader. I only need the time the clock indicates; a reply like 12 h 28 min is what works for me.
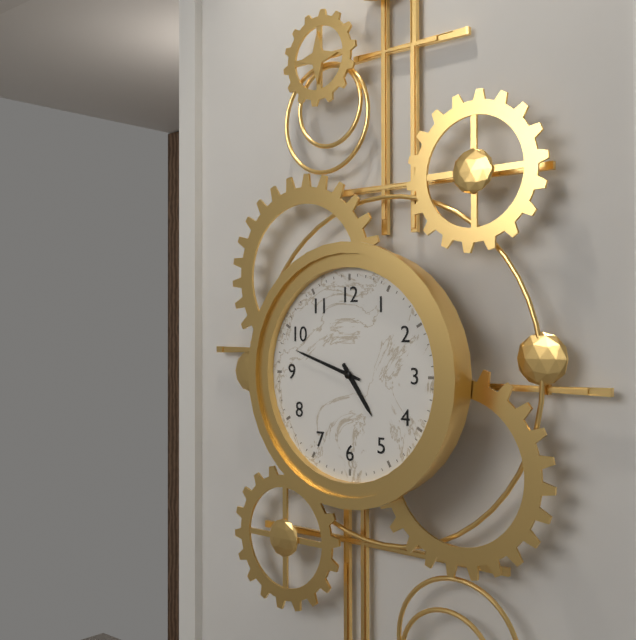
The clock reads 4 h 48 min
